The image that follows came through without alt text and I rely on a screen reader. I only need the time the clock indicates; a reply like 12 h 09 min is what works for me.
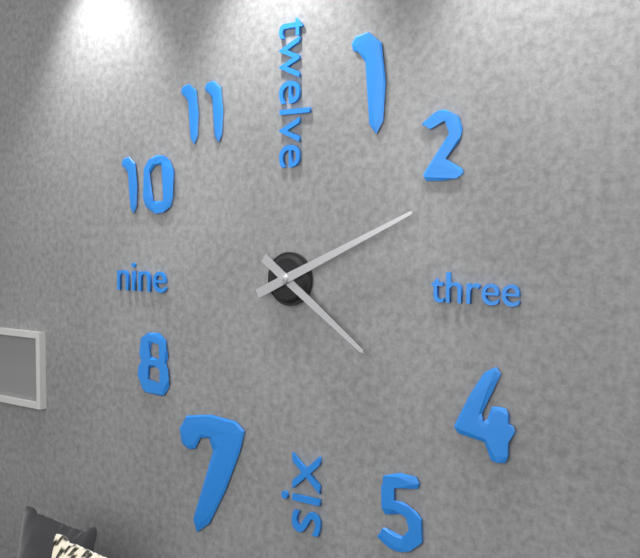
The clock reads 4 h 11 min
